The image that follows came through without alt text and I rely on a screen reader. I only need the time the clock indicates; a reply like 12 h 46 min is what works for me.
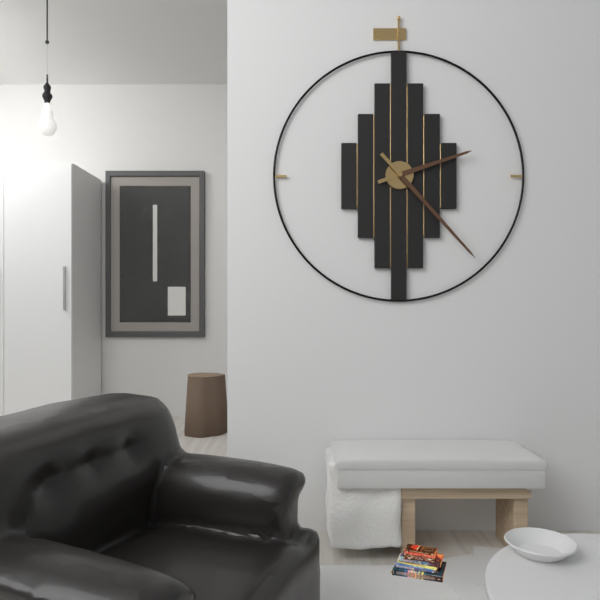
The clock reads 2 h 23 min
